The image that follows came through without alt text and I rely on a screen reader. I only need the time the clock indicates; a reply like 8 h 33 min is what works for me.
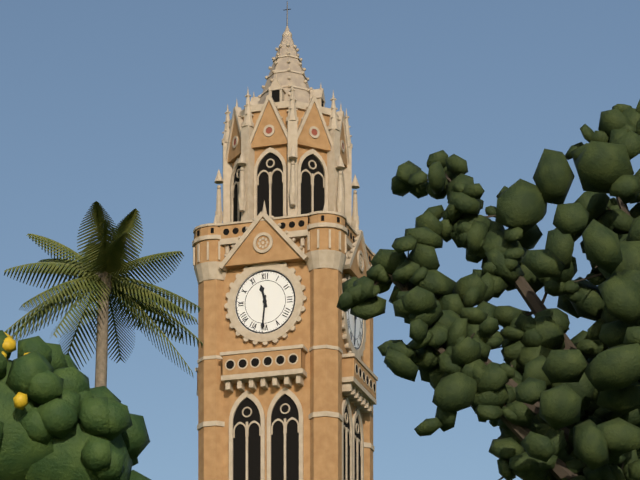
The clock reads 11 h 31 min
